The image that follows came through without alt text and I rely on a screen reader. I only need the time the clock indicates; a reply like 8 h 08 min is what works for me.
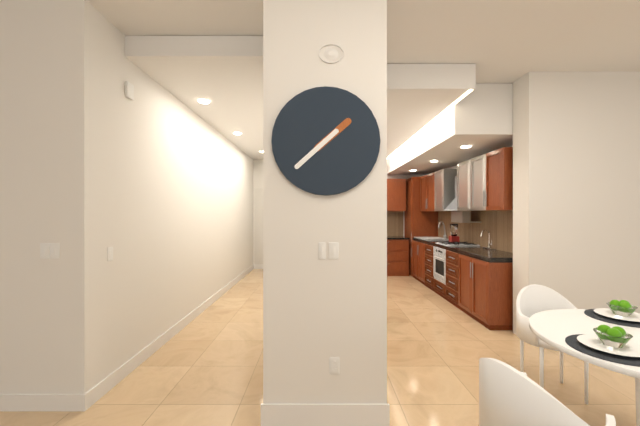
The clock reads 1 h 38 min
